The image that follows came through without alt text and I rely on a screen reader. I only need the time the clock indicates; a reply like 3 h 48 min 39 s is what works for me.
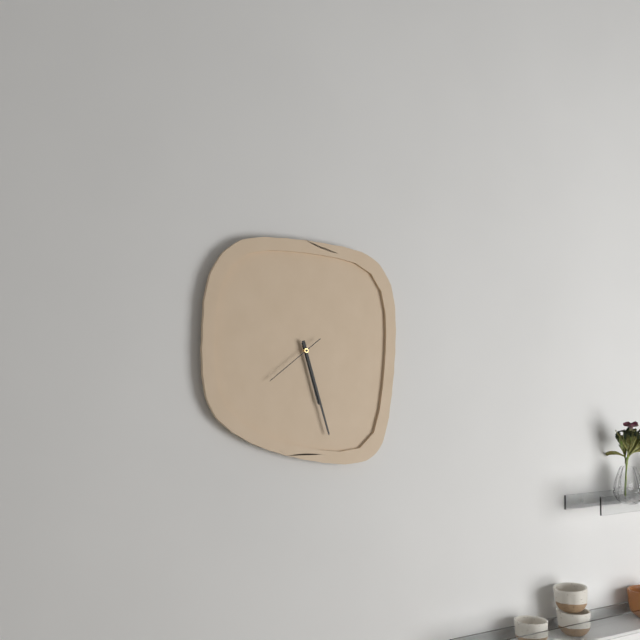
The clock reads 5 h 27 min 39 s
